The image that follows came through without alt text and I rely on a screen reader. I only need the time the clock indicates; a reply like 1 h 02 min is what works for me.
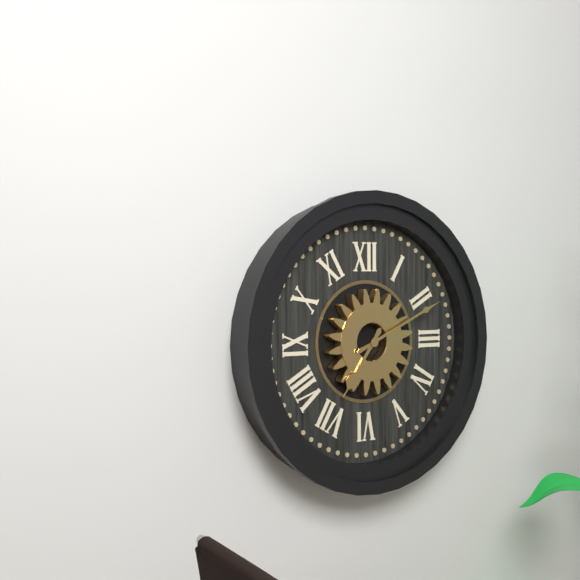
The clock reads 7 h 11 min
